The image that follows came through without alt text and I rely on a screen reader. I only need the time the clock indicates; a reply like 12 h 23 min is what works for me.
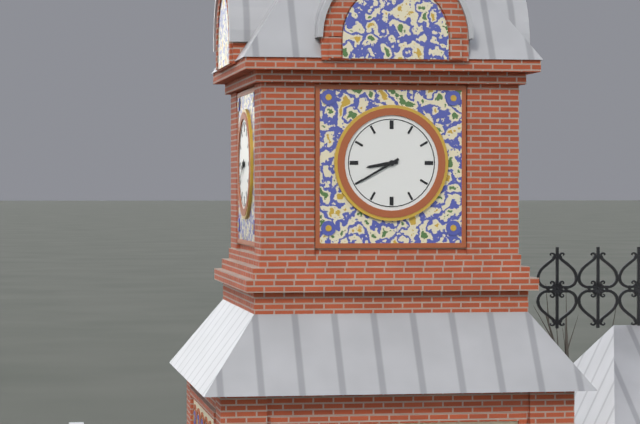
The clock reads 8 h 40 min
